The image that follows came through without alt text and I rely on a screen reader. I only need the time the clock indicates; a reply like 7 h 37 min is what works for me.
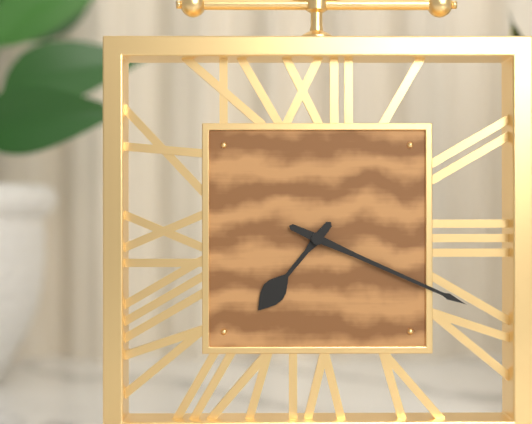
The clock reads 7 h 19 min
